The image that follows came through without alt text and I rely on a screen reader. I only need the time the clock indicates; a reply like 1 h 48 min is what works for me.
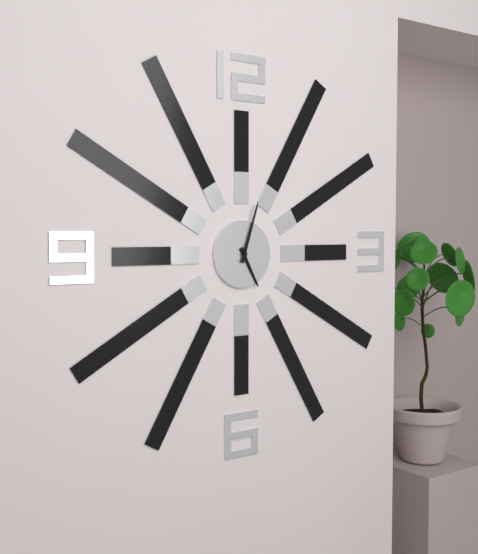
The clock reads 5 h 03 min
